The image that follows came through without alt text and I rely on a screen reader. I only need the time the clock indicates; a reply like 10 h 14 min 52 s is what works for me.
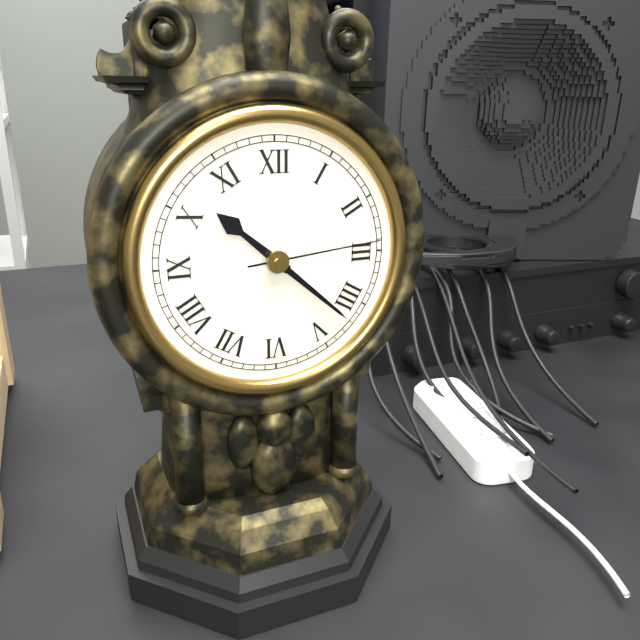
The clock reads 10 h 22 min 14 s
